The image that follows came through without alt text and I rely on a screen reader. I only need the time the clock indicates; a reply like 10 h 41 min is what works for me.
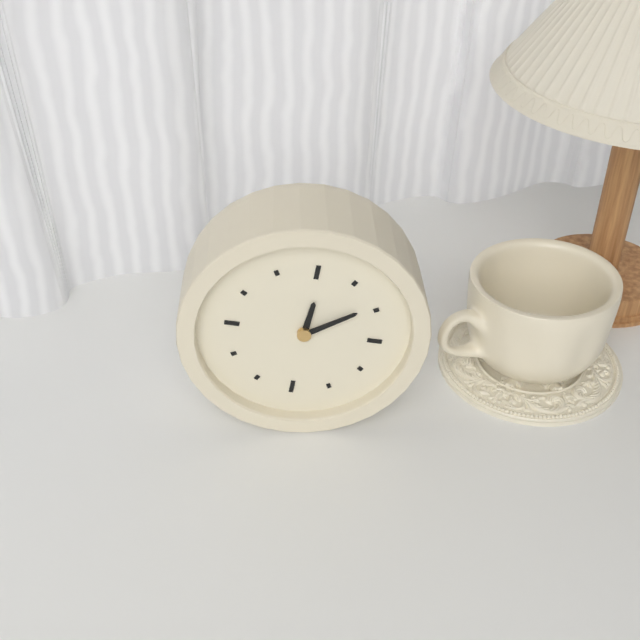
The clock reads 12 h 09 min
